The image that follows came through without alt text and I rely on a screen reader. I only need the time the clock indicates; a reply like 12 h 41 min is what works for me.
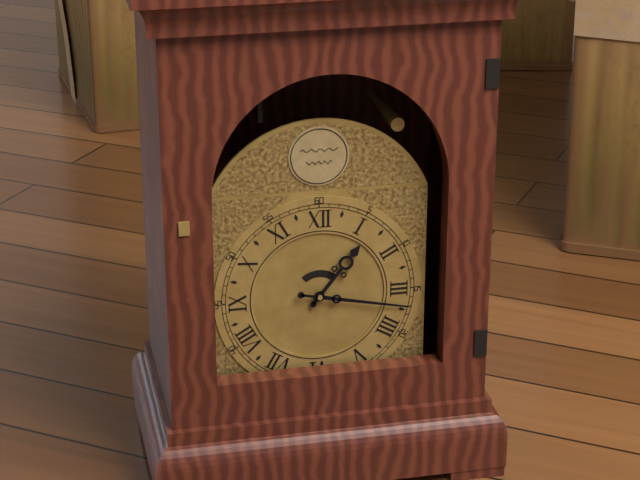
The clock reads 1 h 17 min
